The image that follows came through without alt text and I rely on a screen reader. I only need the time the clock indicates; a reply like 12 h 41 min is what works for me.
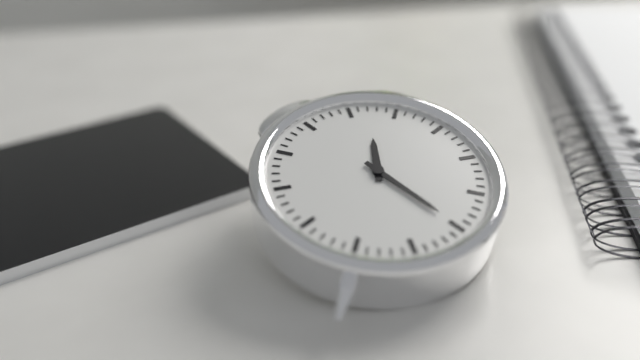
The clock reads 12 h 25 min
